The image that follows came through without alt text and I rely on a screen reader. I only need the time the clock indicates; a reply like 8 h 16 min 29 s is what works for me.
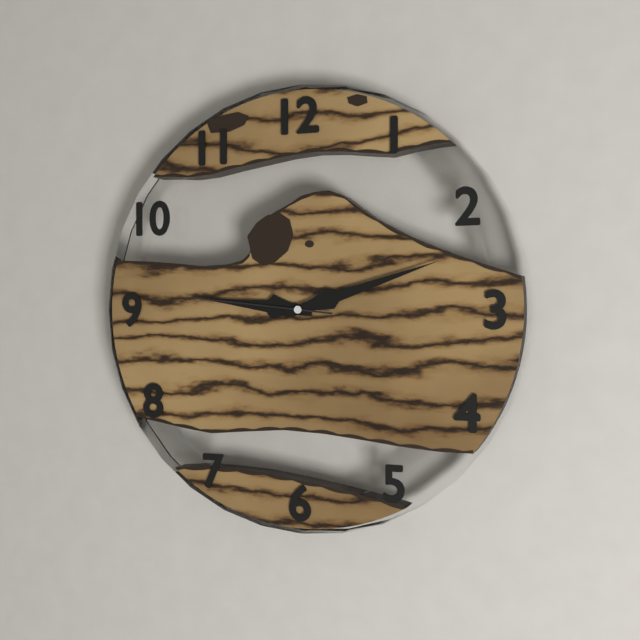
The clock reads 9 h 12 min 46 s
